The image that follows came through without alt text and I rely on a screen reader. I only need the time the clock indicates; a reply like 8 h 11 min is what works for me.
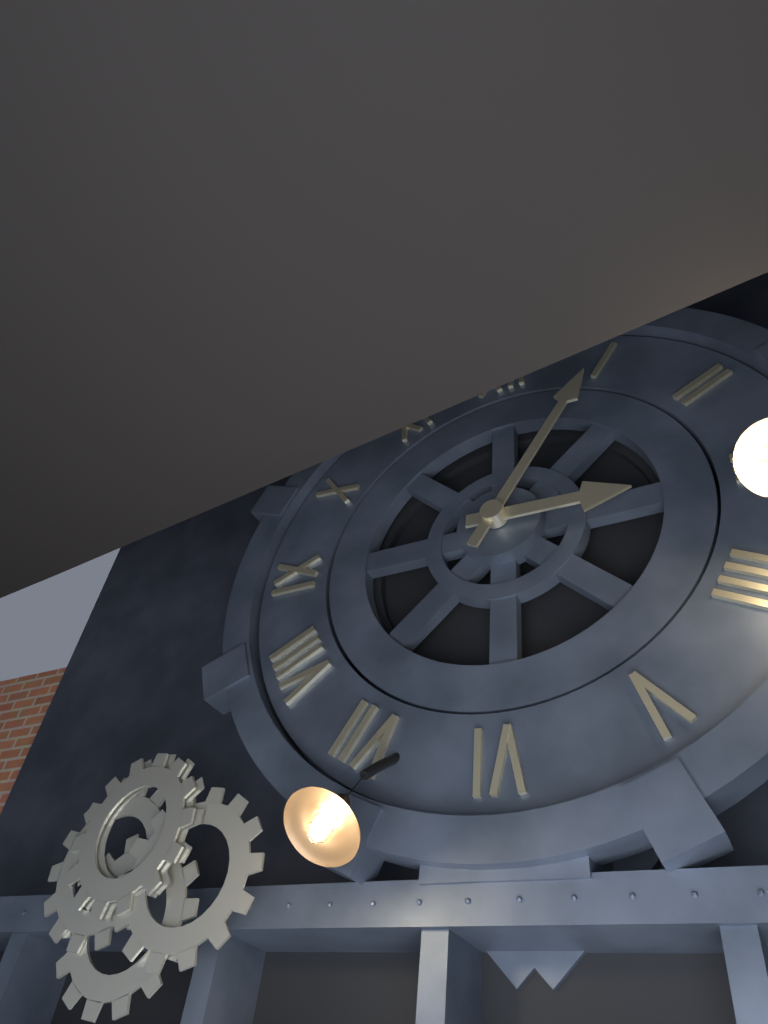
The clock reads 3 h 05 min
